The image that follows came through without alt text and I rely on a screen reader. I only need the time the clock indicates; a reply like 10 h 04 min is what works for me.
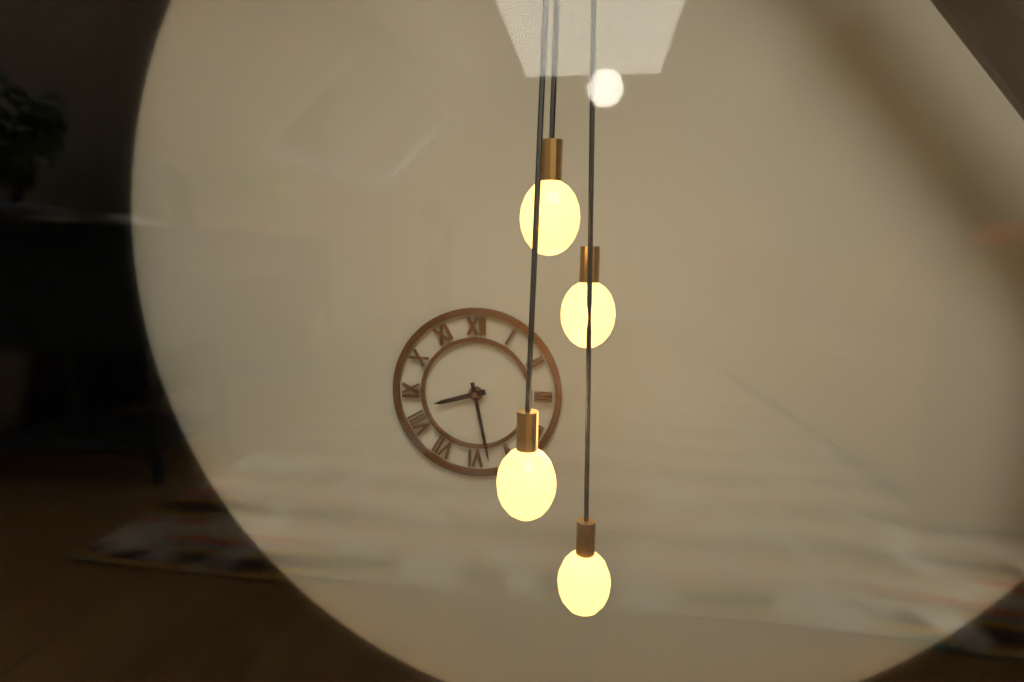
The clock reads 8 h 28 min
